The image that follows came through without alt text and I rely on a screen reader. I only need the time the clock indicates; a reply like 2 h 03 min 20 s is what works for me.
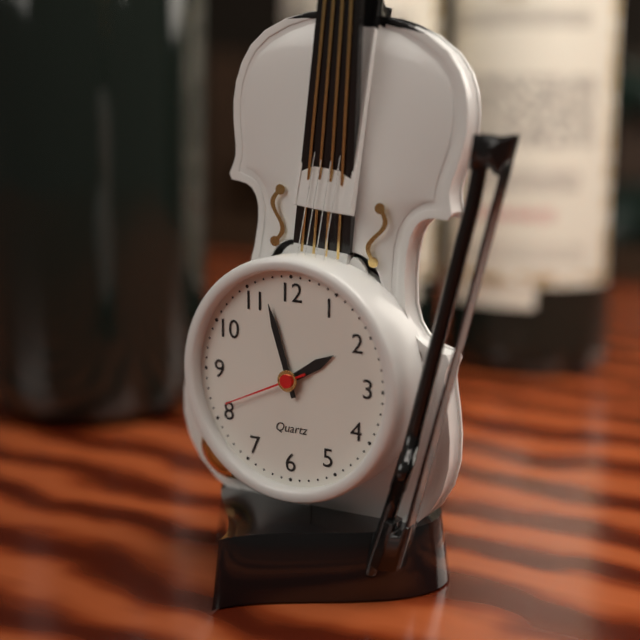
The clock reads 1 h 57 min 41 s
